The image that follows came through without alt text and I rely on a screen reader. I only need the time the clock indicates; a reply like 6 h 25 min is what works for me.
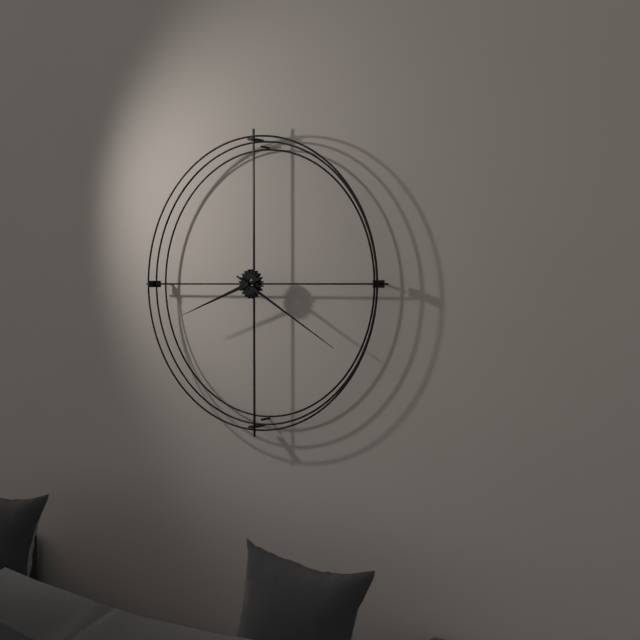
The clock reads 8 h 20 min
